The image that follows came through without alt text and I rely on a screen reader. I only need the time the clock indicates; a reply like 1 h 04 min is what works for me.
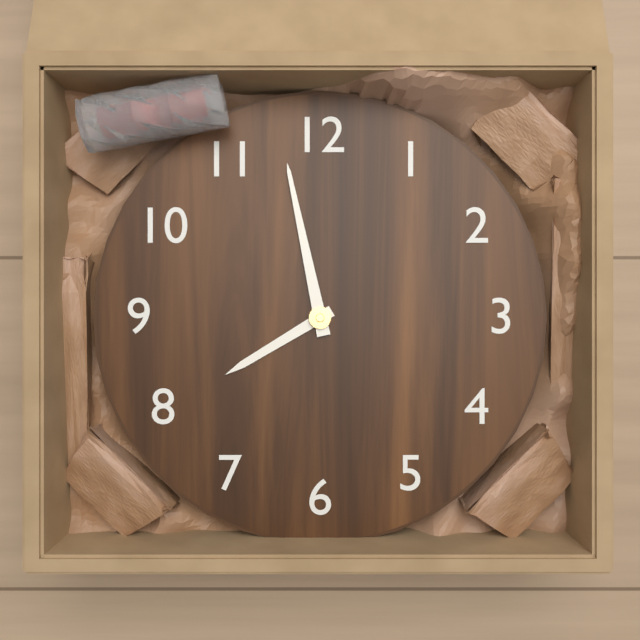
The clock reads 7 h 58 min
